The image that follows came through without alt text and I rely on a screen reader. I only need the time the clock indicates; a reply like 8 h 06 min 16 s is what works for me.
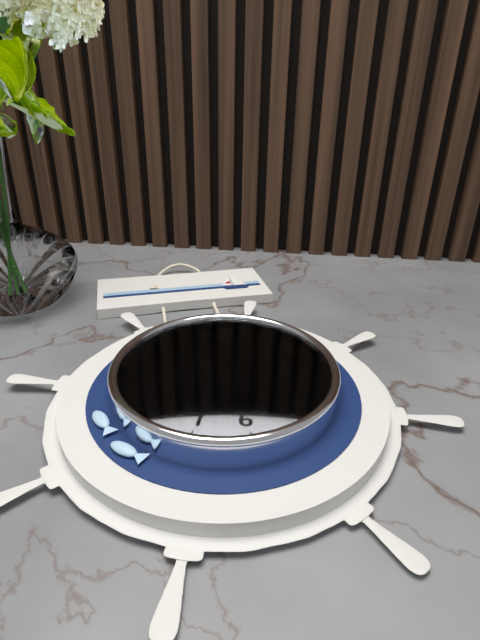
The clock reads 2 h 51 min 22 s
